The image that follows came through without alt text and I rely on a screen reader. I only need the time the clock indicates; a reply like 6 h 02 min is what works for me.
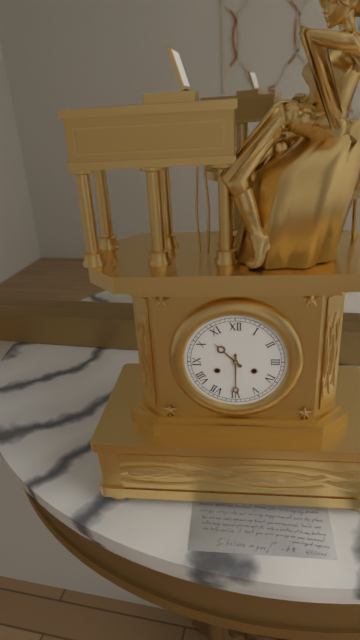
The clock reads 10 h 30 min
